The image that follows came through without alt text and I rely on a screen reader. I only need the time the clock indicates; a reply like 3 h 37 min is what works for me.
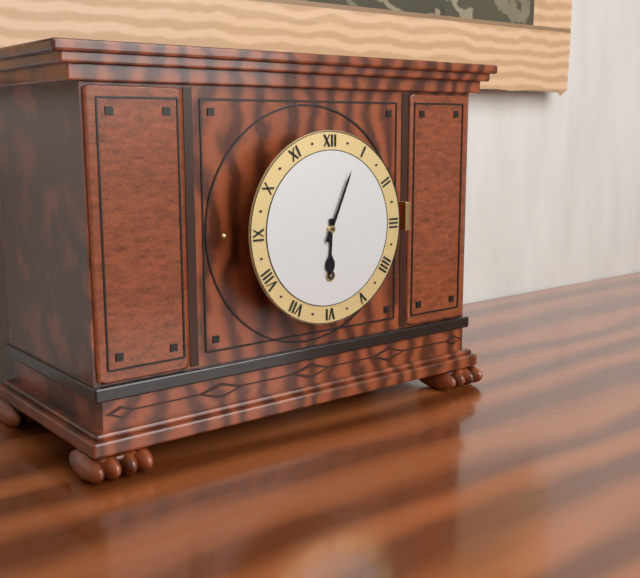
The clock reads 6 h 04 min
